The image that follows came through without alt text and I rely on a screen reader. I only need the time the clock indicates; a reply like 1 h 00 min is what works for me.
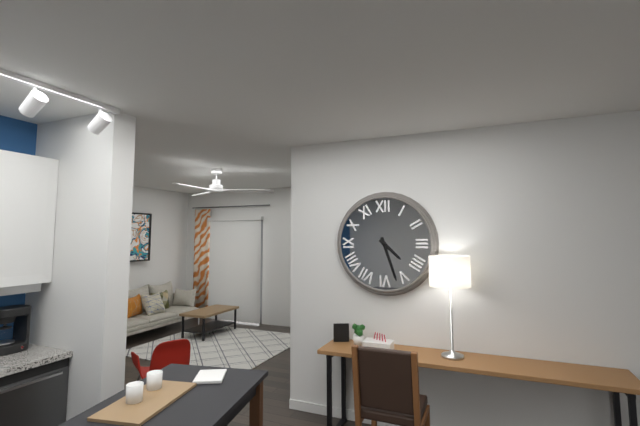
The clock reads 4 h 27 min
